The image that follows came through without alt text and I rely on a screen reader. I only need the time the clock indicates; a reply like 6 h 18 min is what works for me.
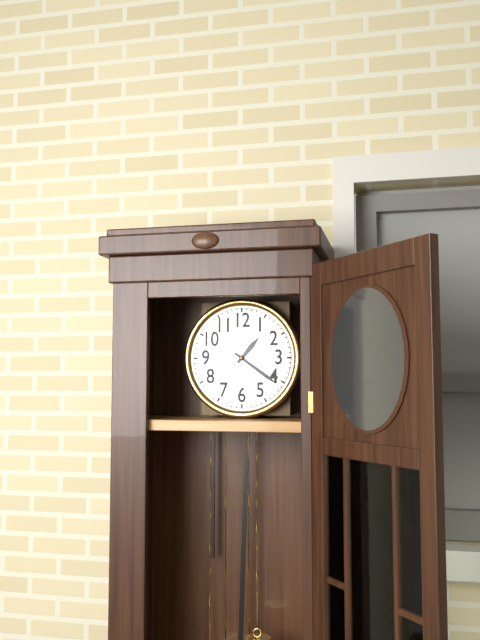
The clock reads 1 h 21 min
